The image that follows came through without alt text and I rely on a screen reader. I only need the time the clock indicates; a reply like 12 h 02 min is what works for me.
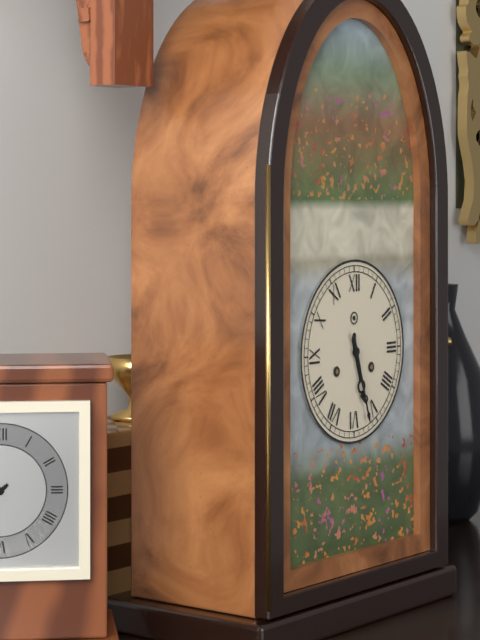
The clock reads 5 h 27 min
